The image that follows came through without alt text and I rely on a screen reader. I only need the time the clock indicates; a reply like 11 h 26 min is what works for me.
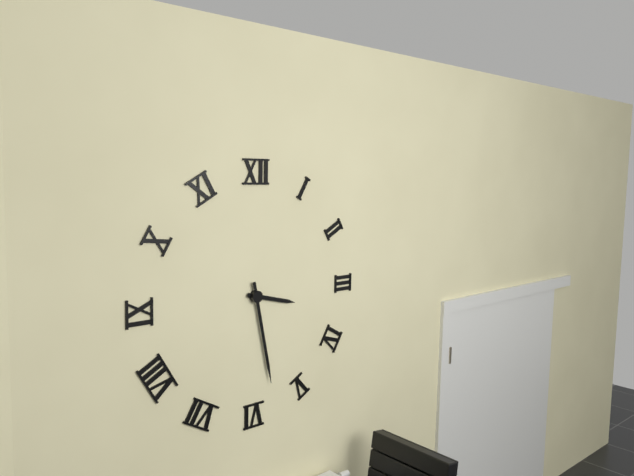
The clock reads 3 h 28 min
